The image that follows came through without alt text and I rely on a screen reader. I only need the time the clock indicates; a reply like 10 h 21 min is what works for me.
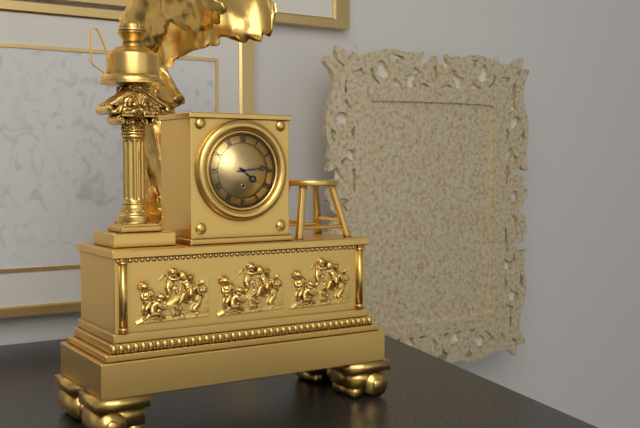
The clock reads 4 h 14 min
